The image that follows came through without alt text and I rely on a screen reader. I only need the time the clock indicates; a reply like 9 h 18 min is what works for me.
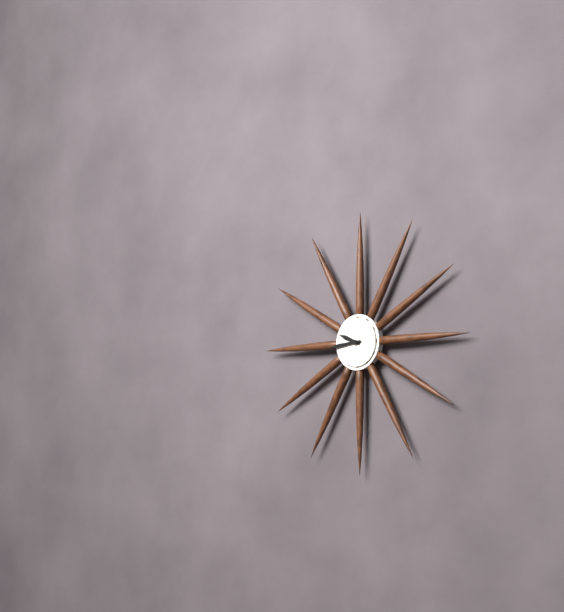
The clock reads 9 h 44 min
